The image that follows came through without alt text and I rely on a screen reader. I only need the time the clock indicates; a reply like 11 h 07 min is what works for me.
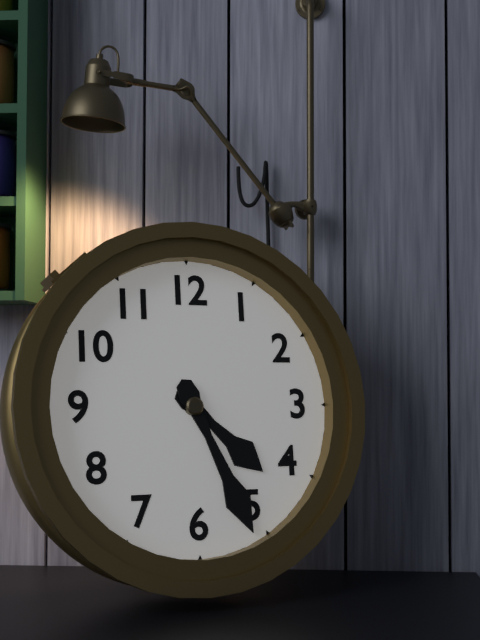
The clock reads 4 h 26 min
